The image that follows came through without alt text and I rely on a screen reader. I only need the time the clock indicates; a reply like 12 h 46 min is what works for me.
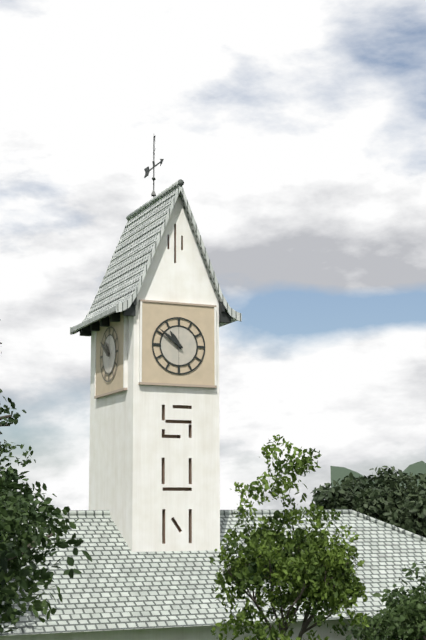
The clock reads 10 h 51 min
